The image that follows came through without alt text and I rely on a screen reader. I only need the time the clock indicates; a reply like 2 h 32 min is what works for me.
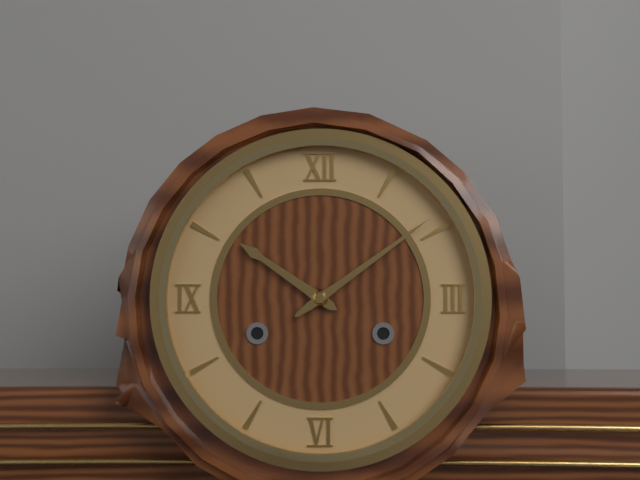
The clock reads 10 h 09 min
